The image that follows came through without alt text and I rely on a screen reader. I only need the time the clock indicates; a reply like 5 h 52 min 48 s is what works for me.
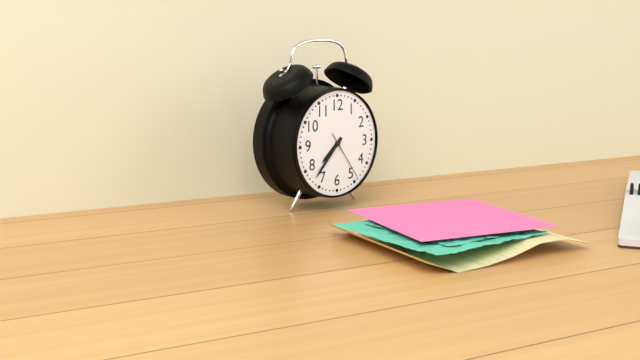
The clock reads 7 h 37 min 24 s
